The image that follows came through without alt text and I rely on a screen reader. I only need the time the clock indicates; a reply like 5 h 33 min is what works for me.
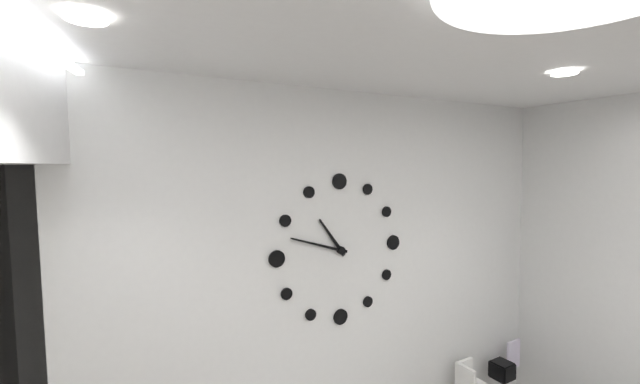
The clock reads 10 h 48 min
